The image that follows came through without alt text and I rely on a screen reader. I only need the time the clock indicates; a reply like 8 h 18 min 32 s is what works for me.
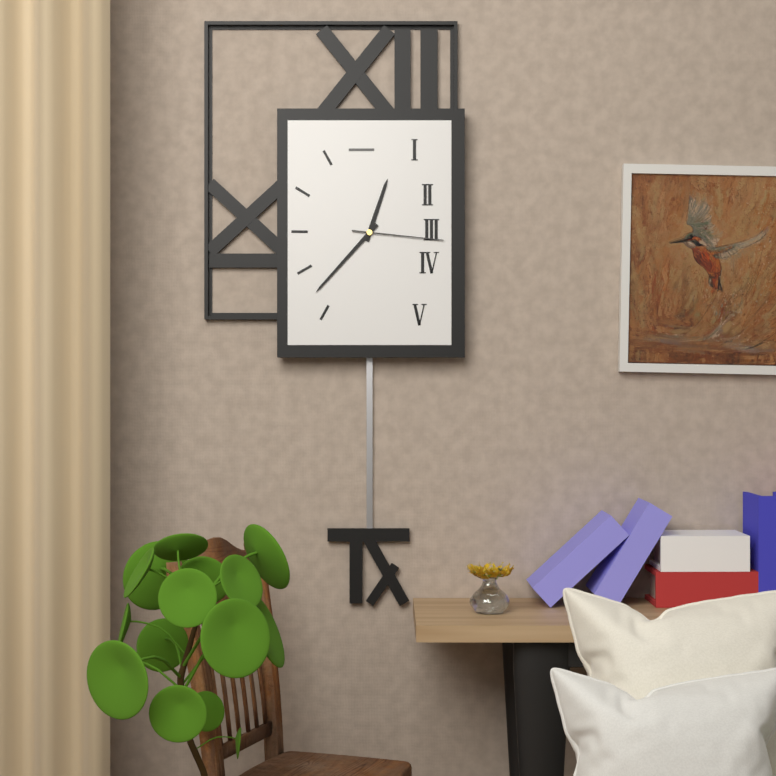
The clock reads 12 h 37 min 16 s
